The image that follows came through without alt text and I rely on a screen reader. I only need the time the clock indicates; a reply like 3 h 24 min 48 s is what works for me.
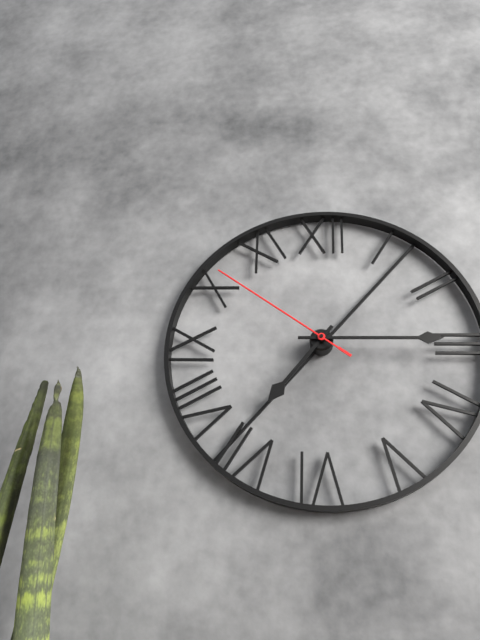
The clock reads 7 h 15 min 51 s
